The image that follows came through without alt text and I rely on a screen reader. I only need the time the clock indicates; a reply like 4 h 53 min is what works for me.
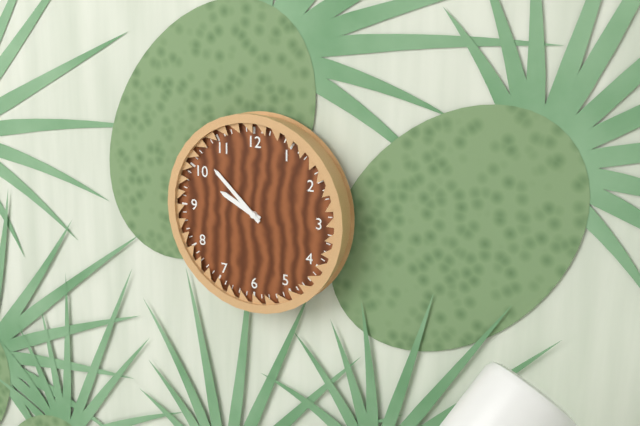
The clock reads 9 h 52 min
